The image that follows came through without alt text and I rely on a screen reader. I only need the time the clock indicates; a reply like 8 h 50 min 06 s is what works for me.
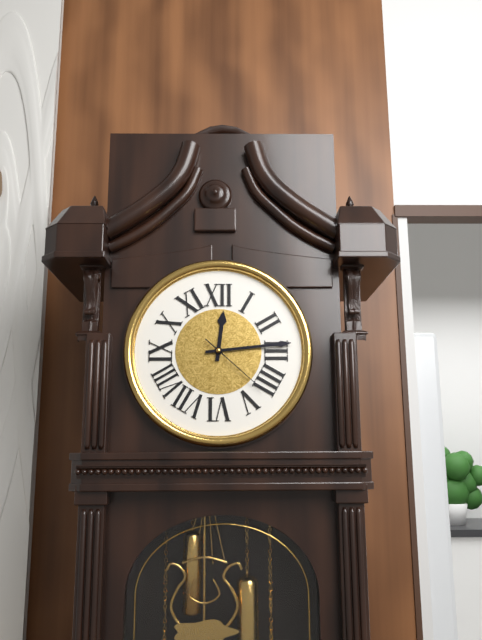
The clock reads 12 h 14 min 22 s
